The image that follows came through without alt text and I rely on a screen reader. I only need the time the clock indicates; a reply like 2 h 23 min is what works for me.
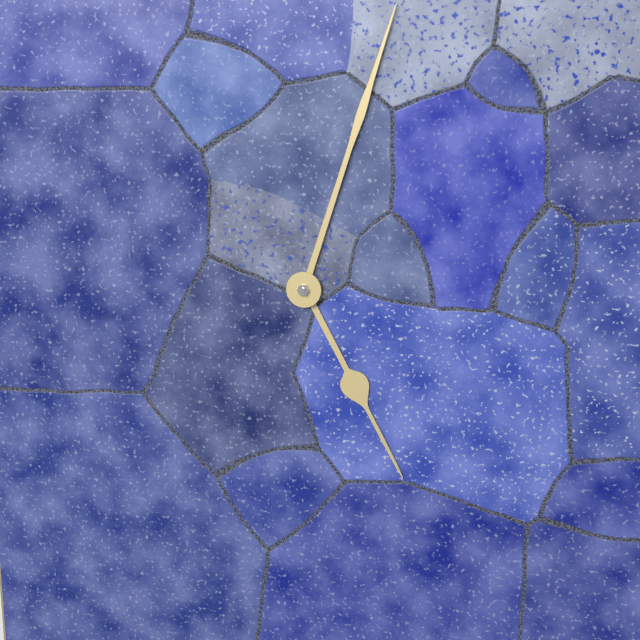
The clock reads 5 h 03 min
